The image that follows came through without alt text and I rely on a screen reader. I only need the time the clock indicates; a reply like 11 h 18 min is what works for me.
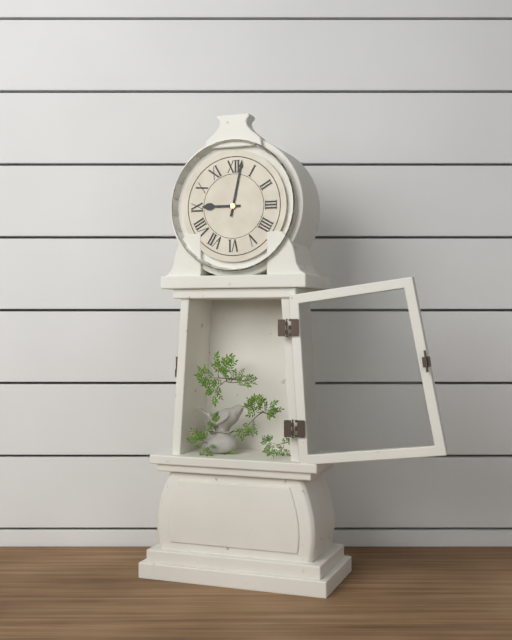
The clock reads 9 h 02 min
